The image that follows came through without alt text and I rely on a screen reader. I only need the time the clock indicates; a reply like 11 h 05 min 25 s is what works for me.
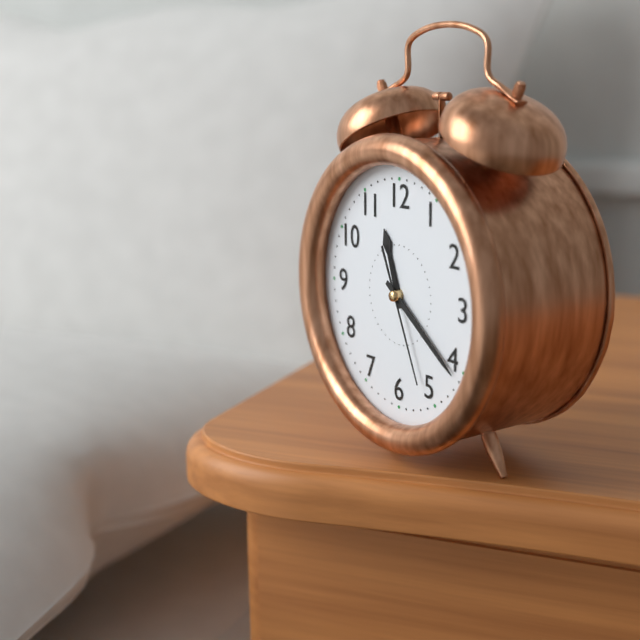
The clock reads 11 h 21 min 26 s
